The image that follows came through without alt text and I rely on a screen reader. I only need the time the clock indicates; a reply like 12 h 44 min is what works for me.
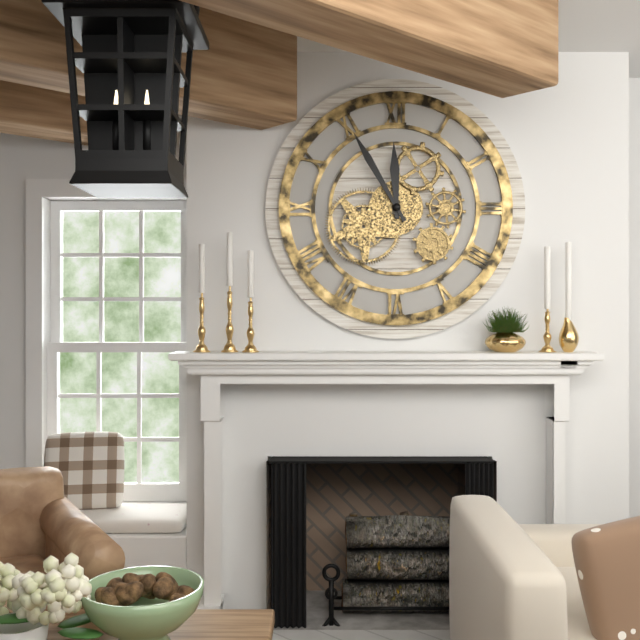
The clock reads 11 h 55 min
